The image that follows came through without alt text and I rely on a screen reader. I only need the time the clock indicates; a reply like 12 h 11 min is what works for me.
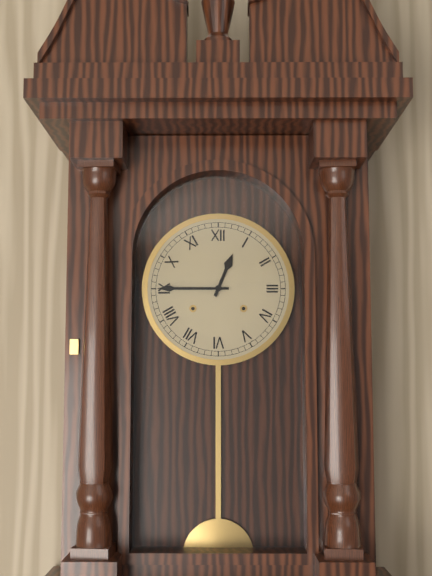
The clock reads 12 h 45 min
